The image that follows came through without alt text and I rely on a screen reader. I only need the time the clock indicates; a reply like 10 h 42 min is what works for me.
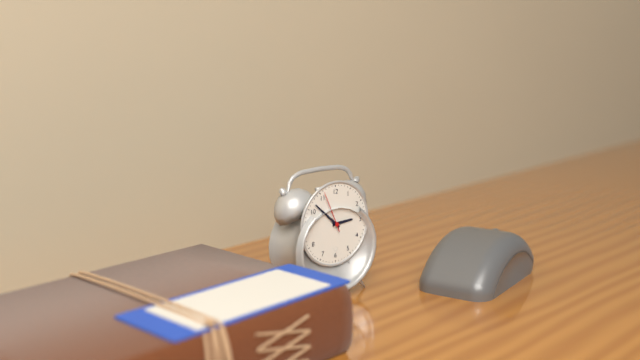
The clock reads 2 h 52 min
